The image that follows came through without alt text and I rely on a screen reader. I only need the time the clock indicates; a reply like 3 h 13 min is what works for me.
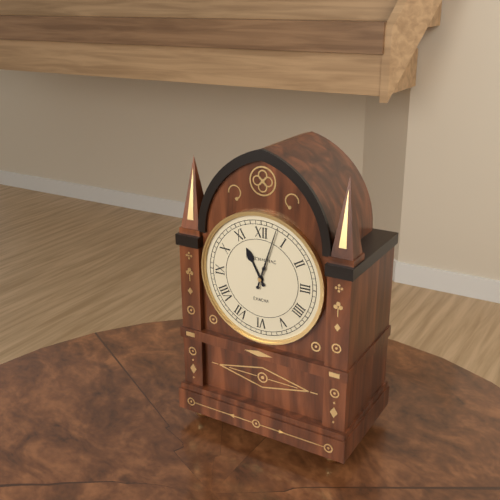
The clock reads 11 h 03 min
